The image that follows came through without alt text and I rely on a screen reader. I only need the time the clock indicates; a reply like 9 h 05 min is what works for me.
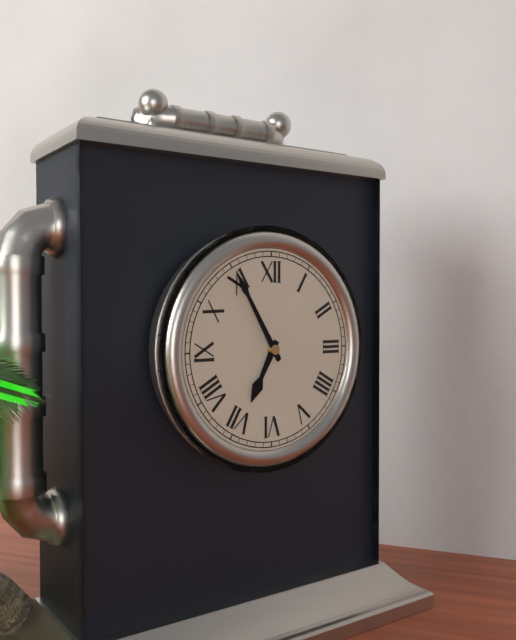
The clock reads 6 h 55 min
